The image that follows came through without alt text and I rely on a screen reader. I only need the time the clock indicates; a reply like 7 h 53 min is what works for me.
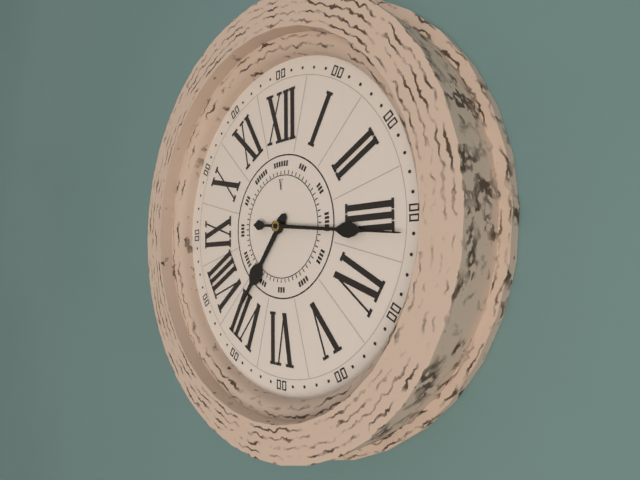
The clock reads 7 h 16 min
